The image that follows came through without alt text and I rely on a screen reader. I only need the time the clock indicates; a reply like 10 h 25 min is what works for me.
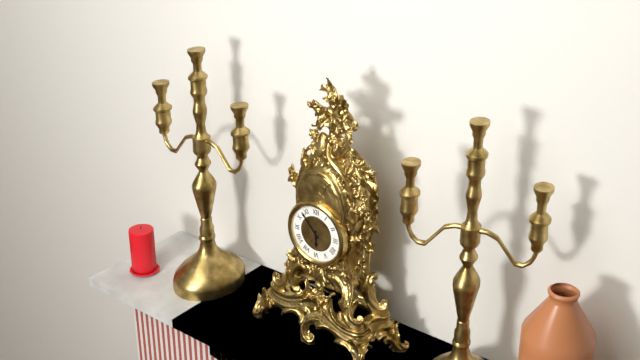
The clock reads 5 h 53 min
